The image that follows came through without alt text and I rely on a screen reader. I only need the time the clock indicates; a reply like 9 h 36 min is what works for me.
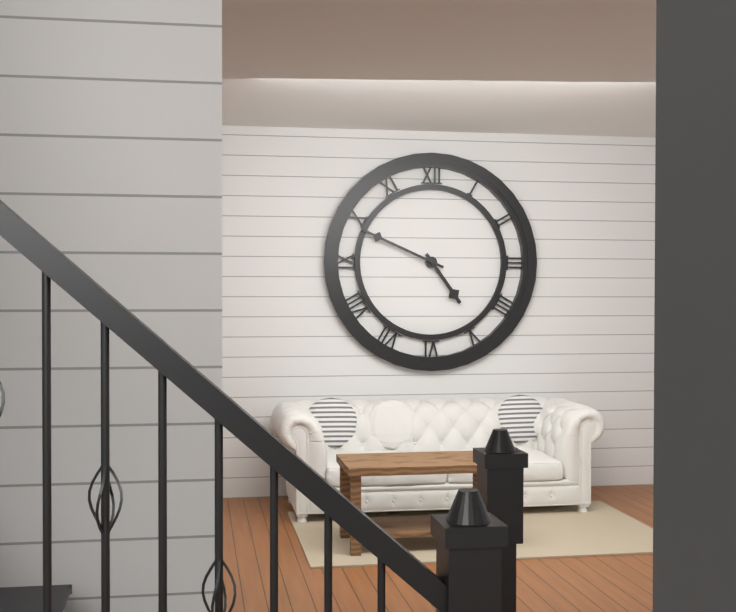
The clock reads 4 h 49 min
